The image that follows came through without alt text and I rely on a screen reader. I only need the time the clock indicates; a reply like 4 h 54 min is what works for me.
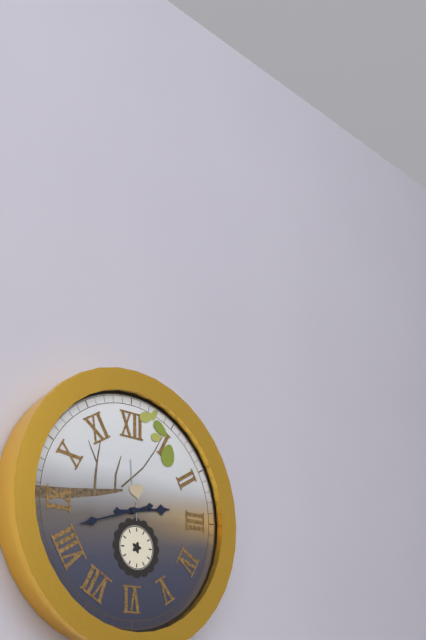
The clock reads 2 h 42 min
